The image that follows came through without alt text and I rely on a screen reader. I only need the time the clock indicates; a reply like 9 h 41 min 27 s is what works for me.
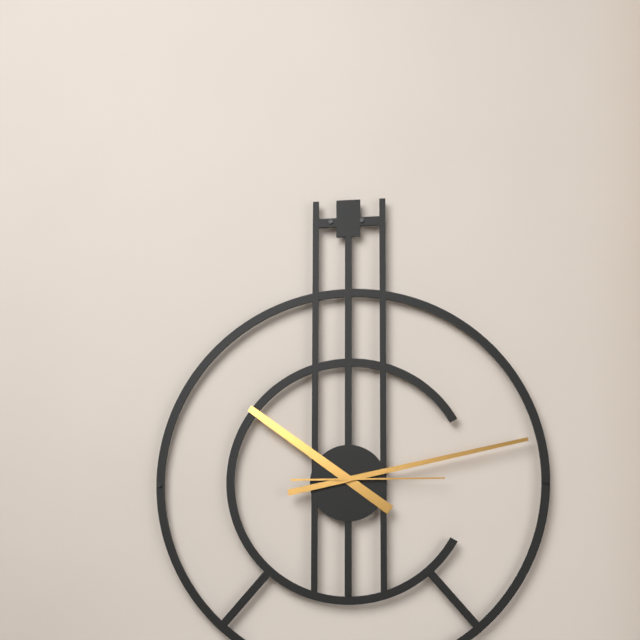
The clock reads 10 h 13 min 15 s
